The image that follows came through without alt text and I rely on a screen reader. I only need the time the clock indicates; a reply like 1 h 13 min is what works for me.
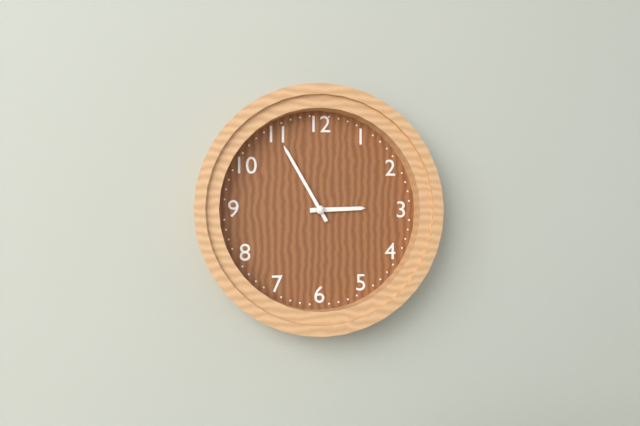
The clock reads 2 h 55 min
